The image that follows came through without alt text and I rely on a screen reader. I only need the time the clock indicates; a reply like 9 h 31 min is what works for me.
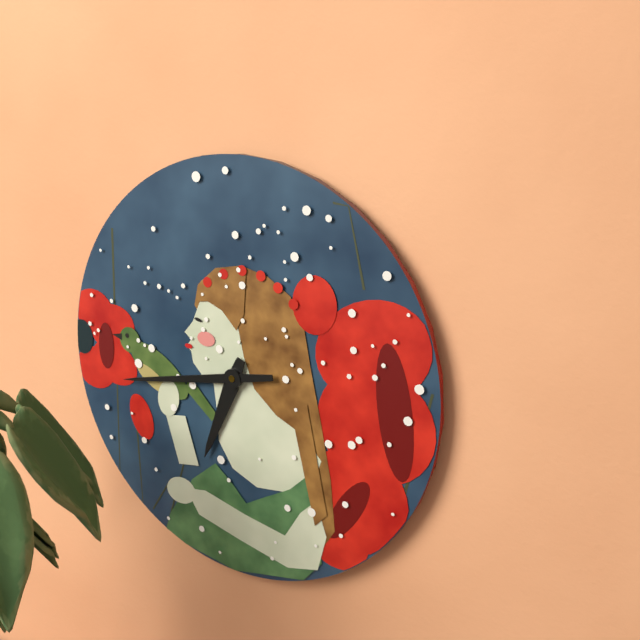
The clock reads 6 h 43 min
